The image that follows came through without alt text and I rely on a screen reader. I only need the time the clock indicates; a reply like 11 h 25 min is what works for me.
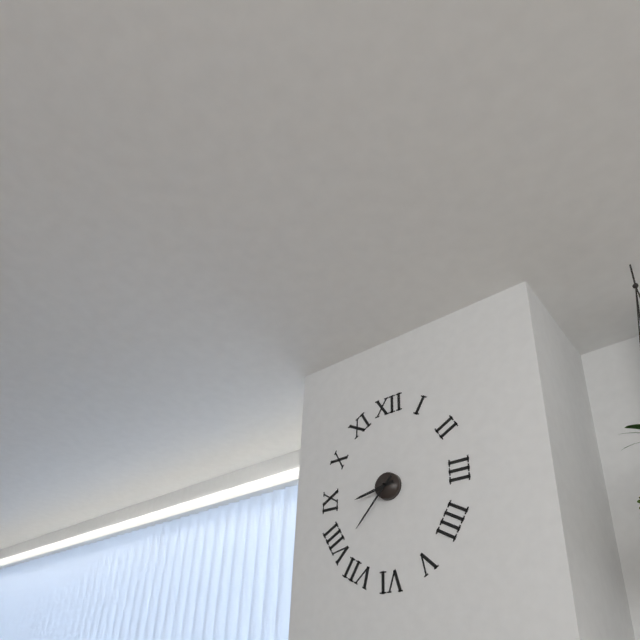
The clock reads 8 h 37 min
